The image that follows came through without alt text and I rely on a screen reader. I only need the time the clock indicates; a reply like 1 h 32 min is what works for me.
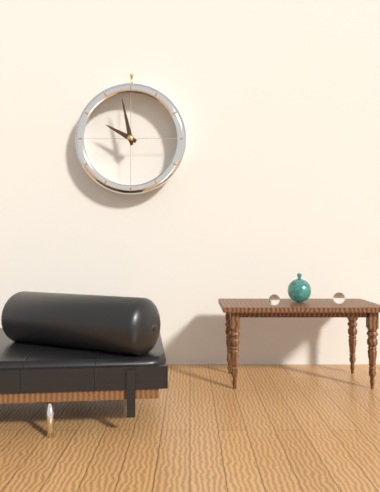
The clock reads 9 h 58 min
